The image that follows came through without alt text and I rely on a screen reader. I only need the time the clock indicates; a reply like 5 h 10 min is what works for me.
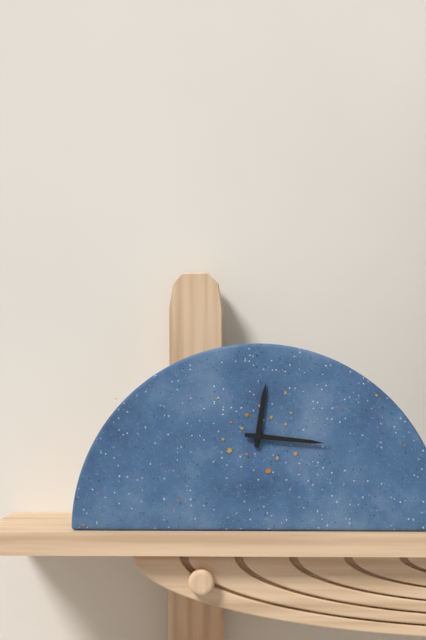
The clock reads 12 h 16 min
